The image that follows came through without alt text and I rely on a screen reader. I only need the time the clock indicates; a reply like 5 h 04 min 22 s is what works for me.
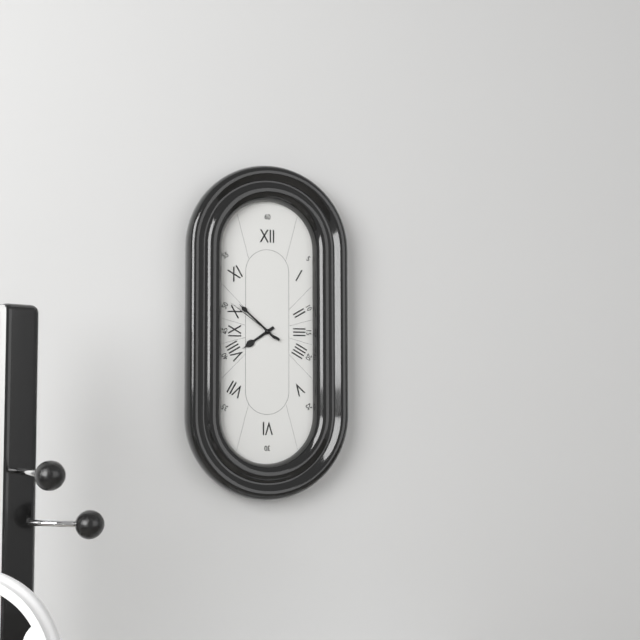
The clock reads 7 h 52 min 51 s
